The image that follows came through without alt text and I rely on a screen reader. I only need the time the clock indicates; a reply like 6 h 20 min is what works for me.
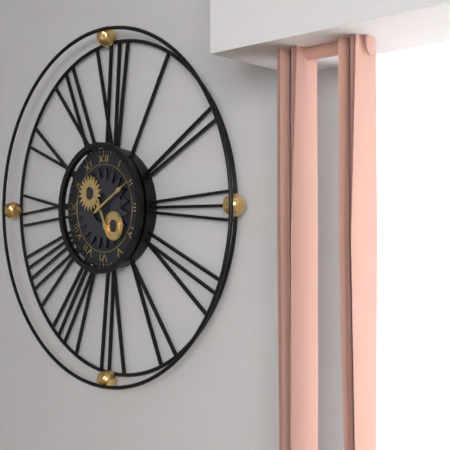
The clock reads 5 h 10 min
